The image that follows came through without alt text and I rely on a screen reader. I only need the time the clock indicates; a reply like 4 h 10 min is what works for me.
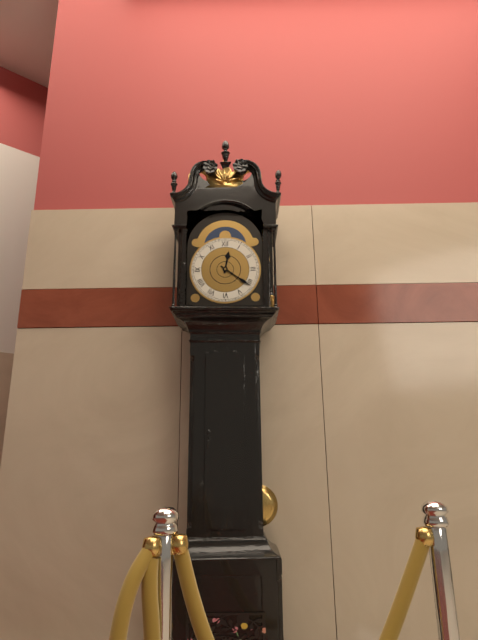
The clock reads 12 h 21 min
